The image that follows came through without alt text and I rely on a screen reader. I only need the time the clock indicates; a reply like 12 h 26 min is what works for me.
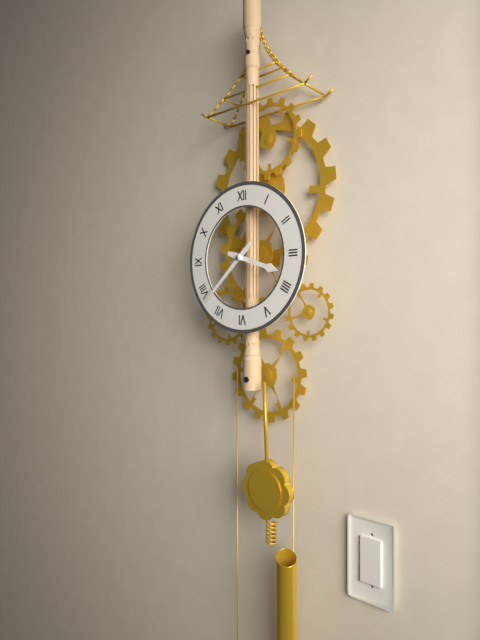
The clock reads 3 h 38 min
